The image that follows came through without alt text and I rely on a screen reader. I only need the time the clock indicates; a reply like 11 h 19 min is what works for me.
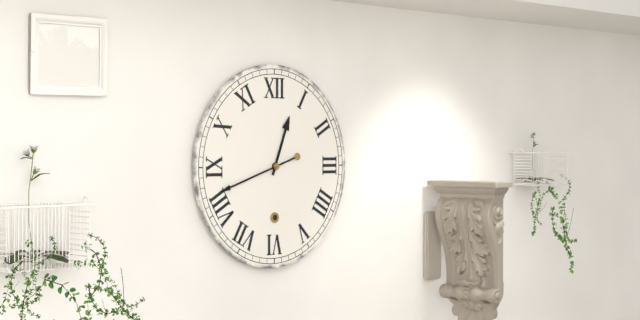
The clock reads 12 h 42 min
